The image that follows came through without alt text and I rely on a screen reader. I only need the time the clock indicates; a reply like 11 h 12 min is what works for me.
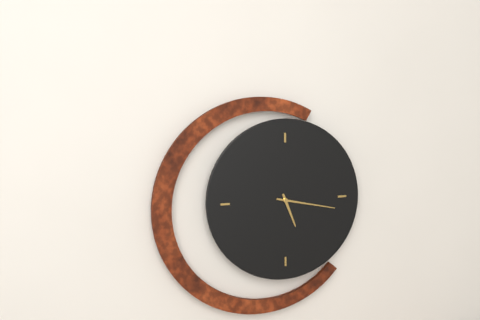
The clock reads 5 h 17 min
